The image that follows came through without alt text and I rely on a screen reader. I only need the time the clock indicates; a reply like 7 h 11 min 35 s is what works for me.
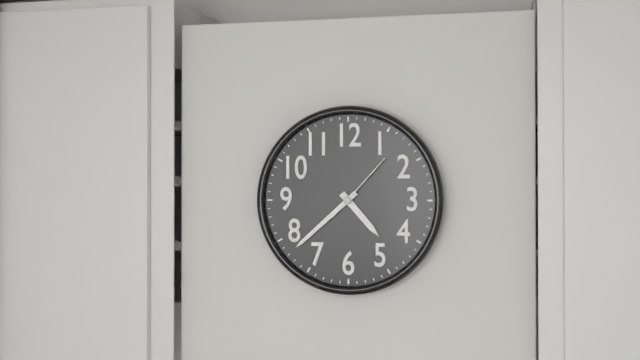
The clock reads 4 h 38 min 07 s
